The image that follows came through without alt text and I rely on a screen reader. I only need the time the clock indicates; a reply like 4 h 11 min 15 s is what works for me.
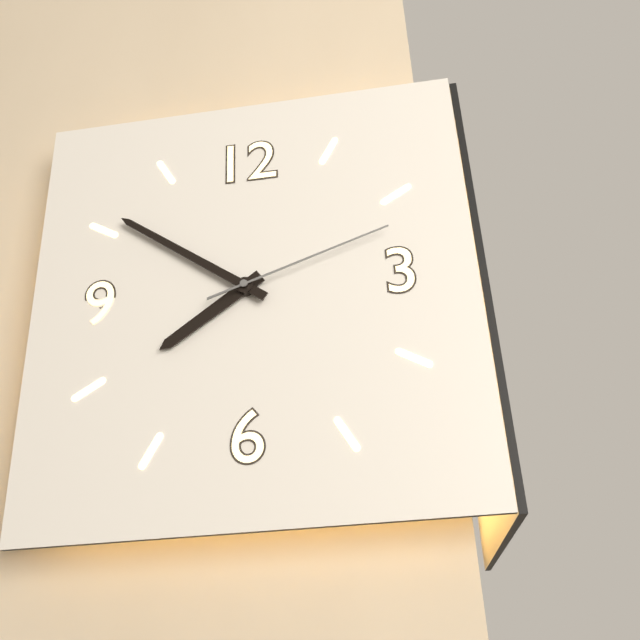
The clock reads 7 h 51 min 12 s
